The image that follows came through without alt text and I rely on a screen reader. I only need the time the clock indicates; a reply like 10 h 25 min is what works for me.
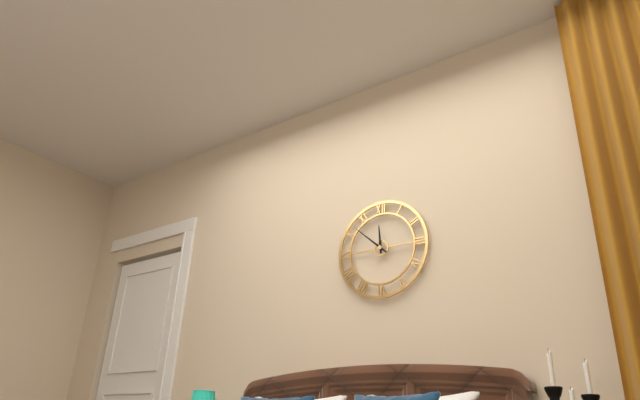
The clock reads 11 h 52 min
